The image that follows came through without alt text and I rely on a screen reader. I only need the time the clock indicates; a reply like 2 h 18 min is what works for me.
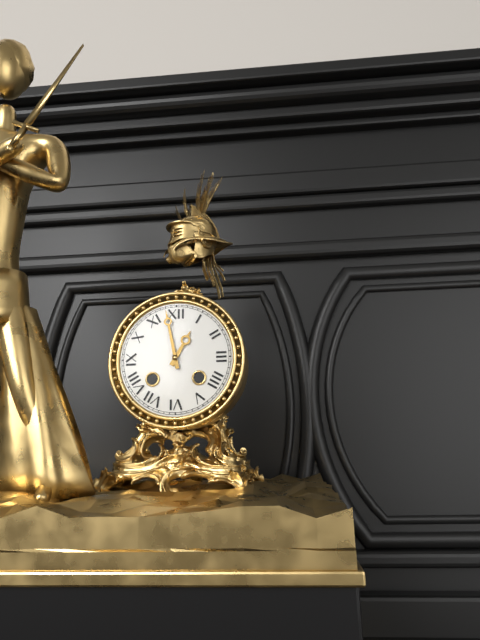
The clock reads 12 h 58 min
